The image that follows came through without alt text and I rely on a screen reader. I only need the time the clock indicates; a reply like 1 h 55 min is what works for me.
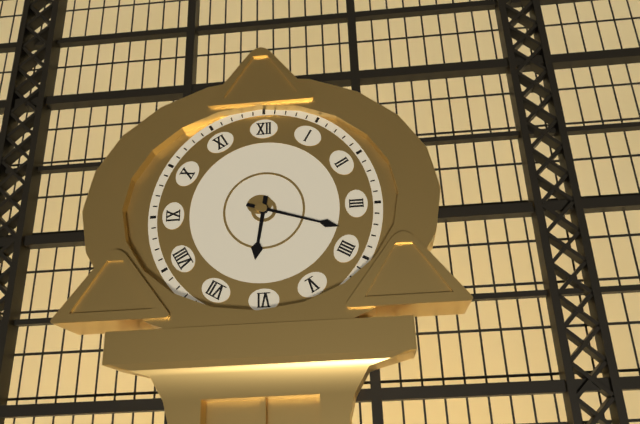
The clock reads 6 h 18 min
